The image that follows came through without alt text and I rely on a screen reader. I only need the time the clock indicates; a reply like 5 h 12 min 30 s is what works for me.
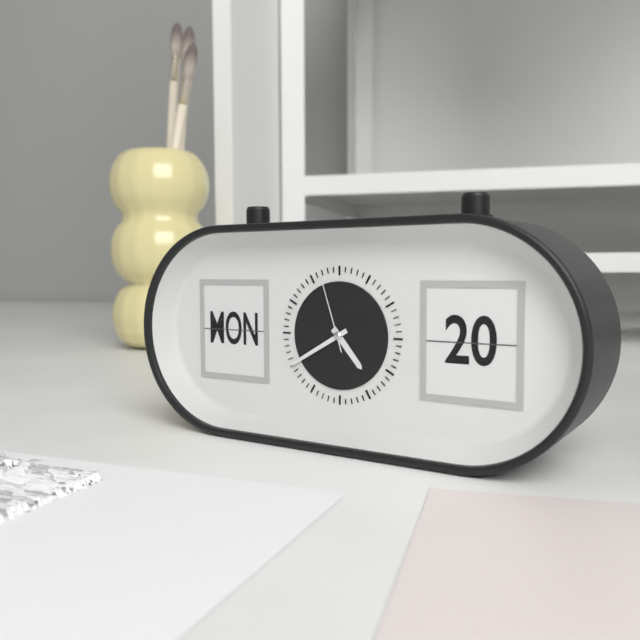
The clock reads 4 h 40 min 57 s
